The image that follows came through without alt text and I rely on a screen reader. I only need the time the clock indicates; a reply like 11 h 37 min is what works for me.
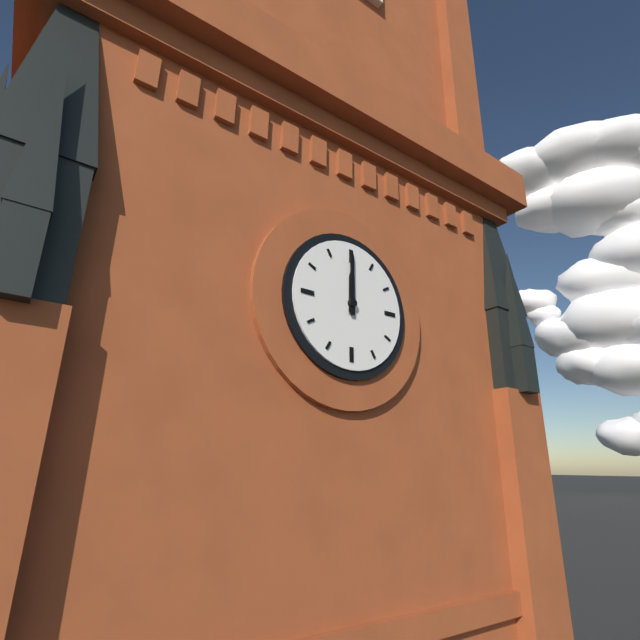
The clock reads 12 h 00 min
